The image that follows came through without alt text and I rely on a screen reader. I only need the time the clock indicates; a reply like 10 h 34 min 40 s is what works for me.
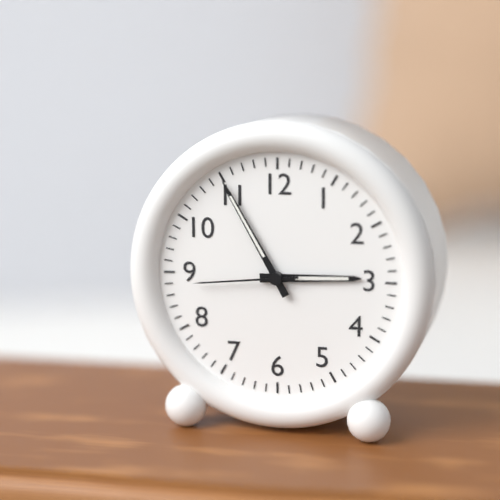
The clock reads 2 h 55 min 44 s
